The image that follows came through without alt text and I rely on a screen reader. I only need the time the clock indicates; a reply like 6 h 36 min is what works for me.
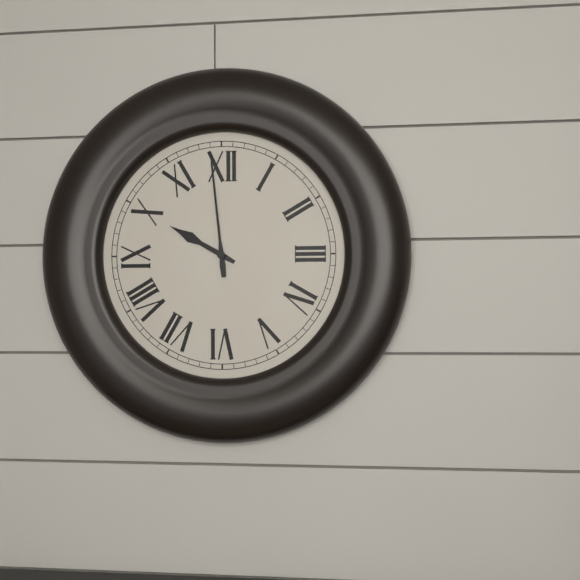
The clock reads 9 h 59 min
